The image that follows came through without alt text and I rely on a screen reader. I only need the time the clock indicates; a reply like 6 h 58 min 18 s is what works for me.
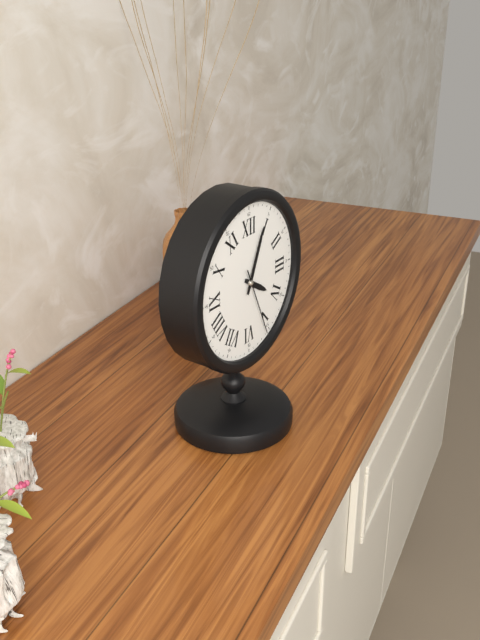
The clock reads 4 h 04 min 26 s
